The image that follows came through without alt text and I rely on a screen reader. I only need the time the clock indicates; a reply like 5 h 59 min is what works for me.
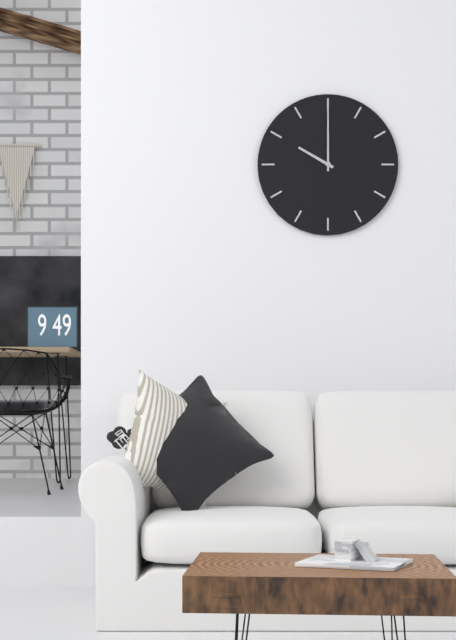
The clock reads 10 h 00 min
